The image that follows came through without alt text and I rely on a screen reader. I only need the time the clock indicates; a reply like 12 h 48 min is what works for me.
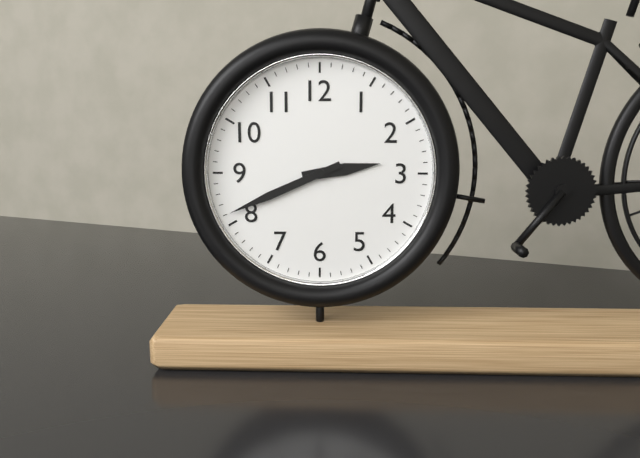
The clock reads 2 h 41 min
